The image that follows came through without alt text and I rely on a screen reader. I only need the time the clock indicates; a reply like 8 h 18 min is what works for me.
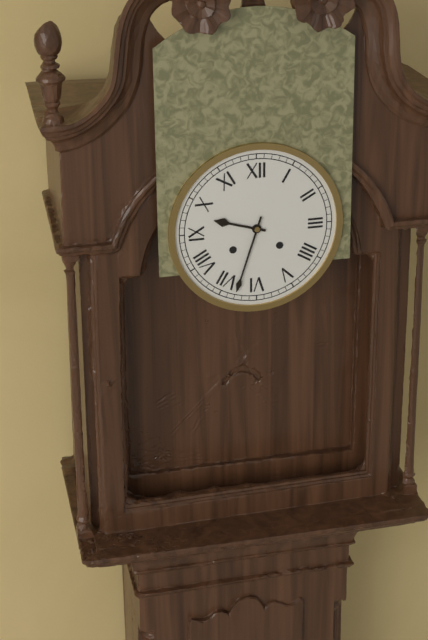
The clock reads 9 h 33 min
